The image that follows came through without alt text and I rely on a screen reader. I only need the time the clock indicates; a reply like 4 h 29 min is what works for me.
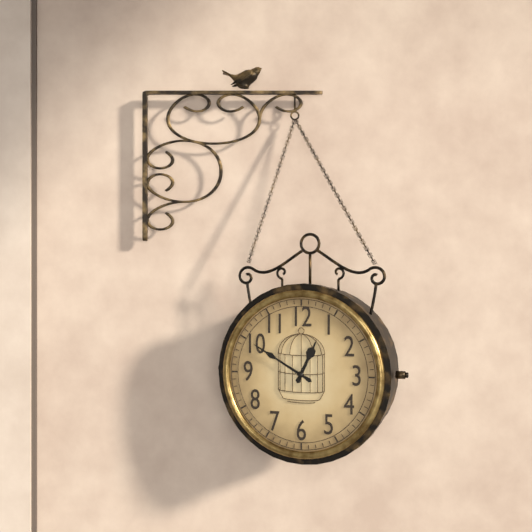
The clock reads 12 h 50 min
